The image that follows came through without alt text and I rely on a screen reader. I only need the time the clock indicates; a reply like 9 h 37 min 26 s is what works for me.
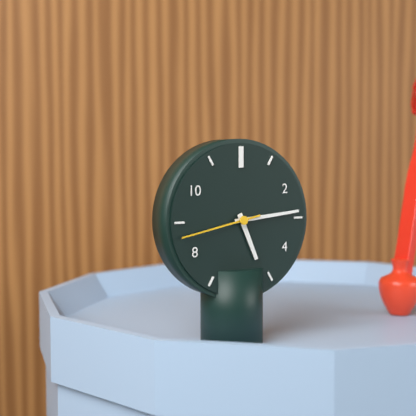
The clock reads 5 h 14 min 43 s
